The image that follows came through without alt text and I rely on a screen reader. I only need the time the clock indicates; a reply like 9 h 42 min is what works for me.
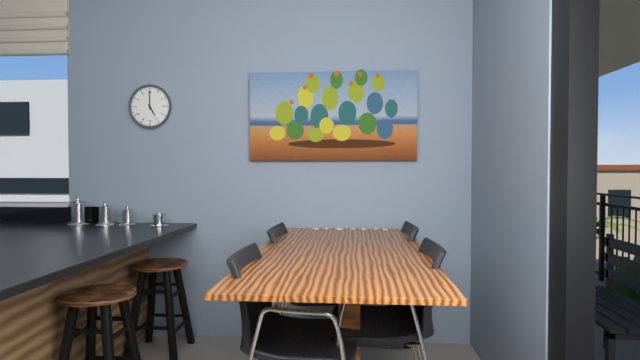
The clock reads 5 h 00 min
